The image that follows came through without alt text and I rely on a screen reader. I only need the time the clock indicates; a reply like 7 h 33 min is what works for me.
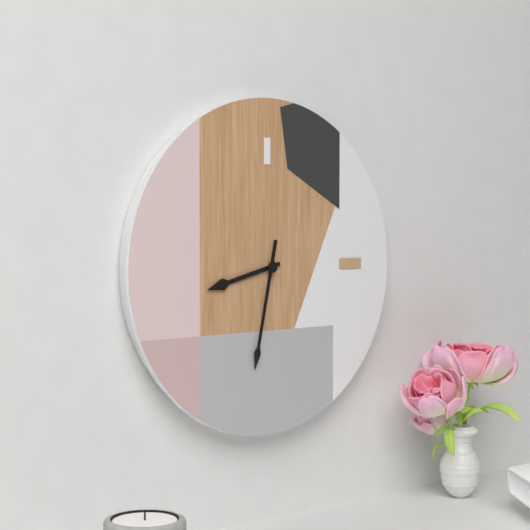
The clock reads 8 h 32 min
